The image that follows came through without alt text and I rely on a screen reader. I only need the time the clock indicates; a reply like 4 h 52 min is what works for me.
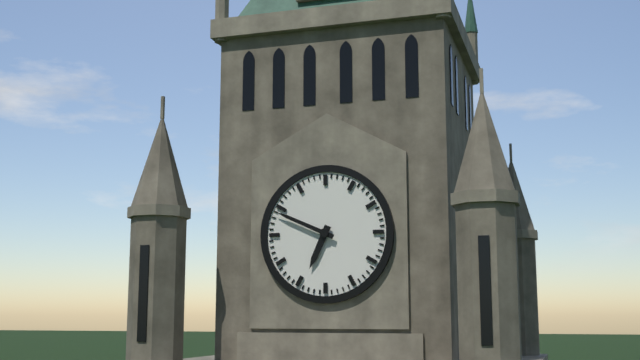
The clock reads 6 h 49 min
